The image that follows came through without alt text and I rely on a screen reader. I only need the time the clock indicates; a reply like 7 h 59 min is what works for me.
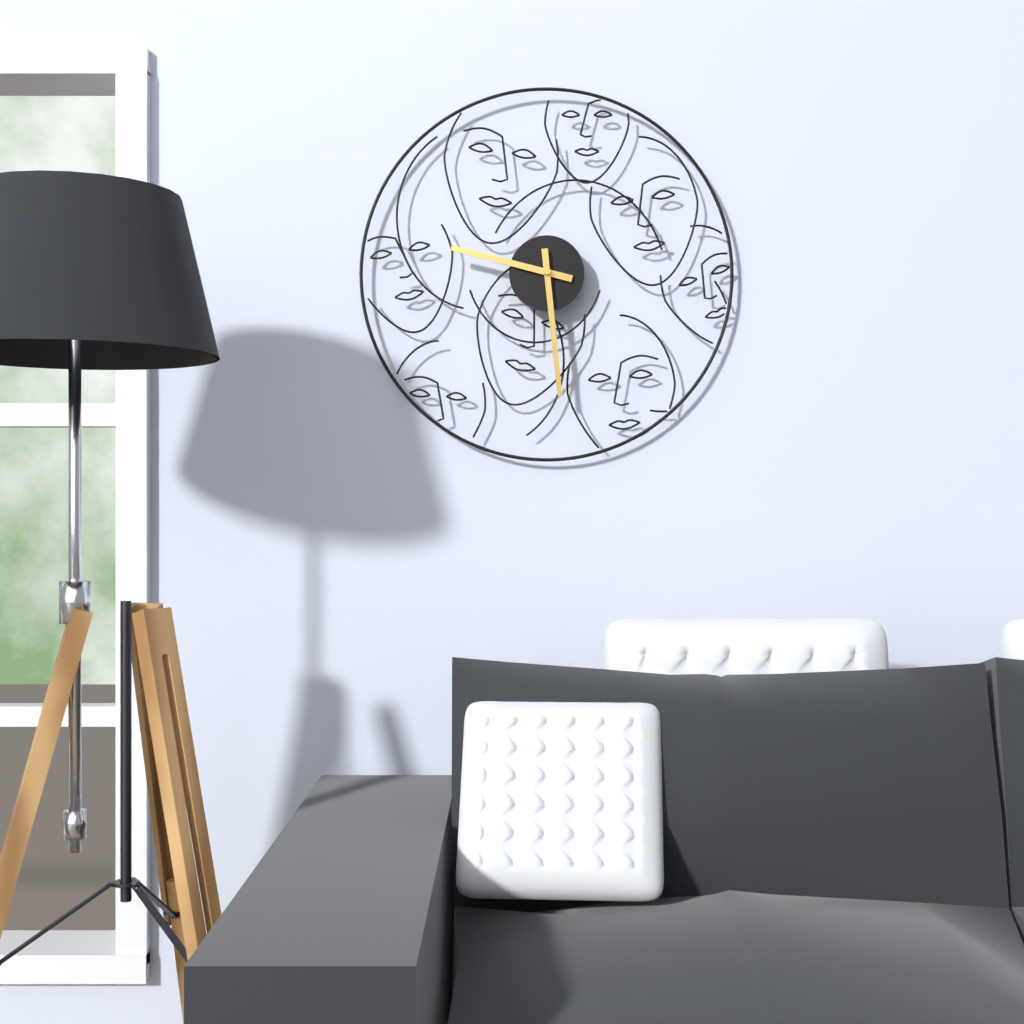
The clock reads 9 h 29 min
